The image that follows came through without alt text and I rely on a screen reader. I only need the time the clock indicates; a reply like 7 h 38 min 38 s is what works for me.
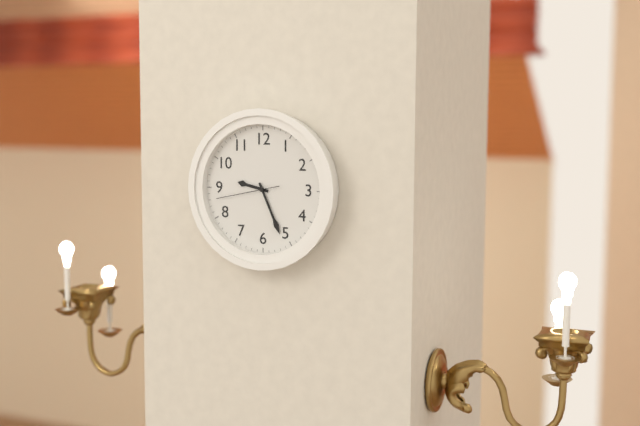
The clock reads 9 h 26 min 43 s
